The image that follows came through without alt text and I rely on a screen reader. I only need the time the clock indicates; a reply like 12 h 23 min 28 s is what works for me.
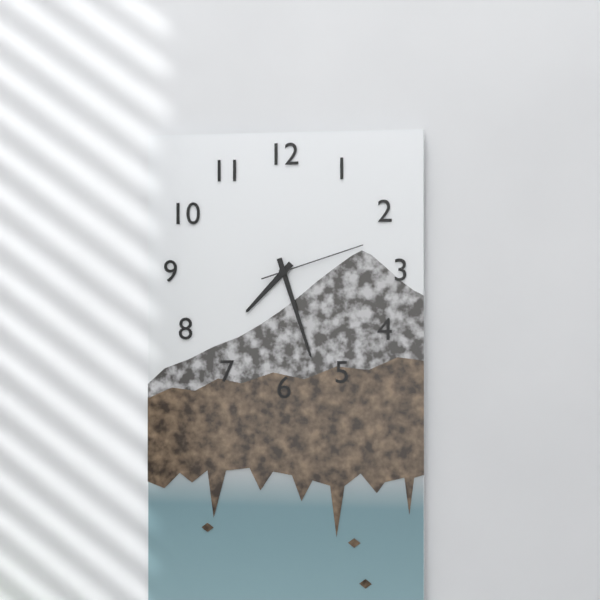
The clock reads 7 h 27 min 12 s
